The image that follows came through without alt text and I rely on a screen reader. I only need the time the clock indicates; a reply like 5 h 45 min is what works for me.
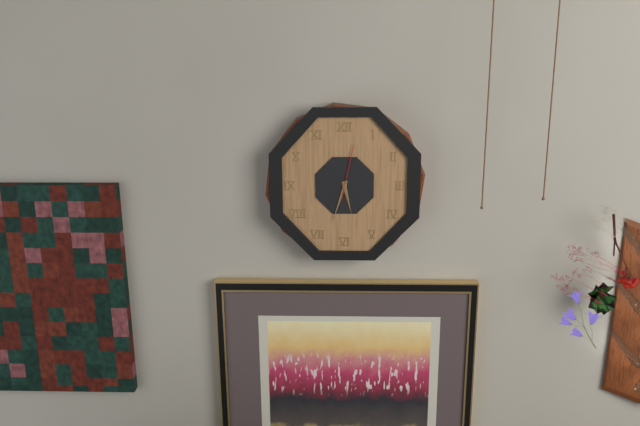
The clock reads 5 h 33 min
